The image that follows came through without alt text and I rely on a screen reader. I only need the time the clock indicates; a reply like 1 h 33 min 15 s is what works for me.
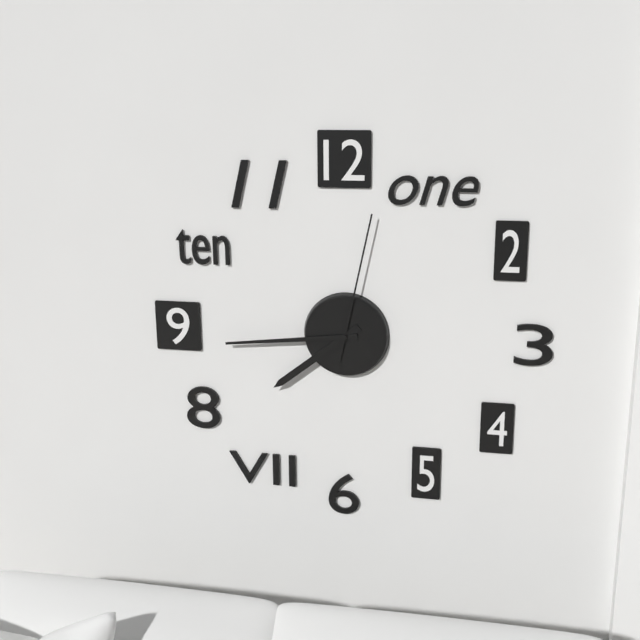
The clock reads 7 h 44 min 02 s
